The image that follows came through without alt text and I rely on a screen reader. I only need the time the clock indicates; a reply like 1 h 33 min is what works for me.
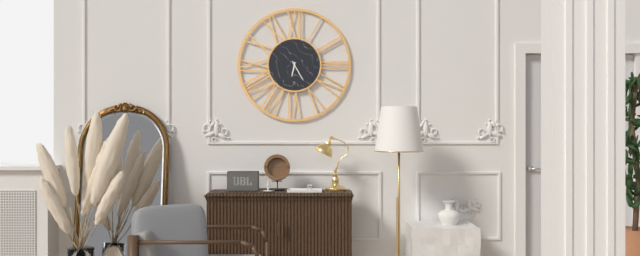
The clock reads 6 h 25 min
